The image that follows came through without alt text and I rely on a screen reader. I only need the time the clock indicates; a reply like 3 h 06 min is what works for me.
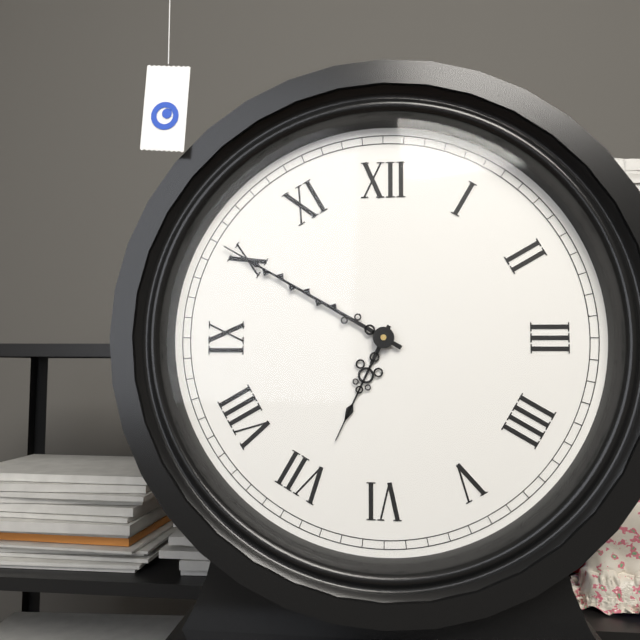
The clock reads 6 h 50 min
